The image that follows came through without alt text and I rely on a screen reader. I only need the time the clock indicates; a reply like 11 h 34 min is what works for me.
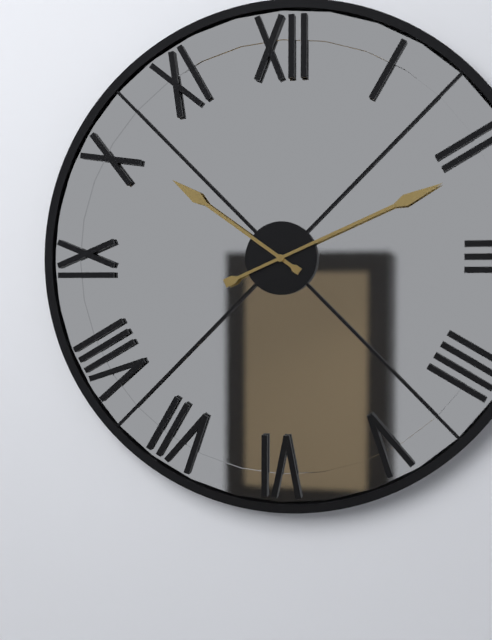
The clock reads 10 h 11 min
